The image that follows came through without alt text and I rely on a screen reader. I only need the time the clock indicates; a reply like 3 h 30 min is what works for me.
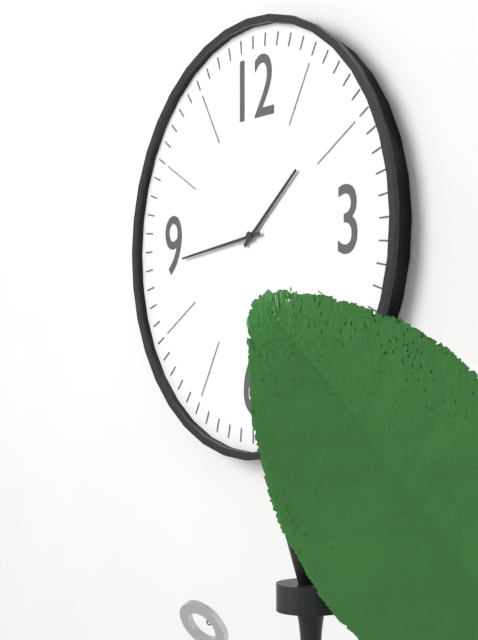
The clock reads 1 h 44 min
